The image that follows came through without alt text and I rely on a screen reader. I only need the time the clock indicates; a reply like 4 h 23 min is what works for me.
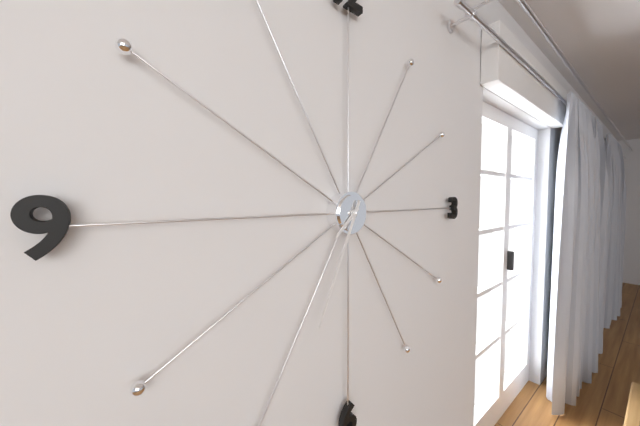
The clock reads 7 h 34 min
